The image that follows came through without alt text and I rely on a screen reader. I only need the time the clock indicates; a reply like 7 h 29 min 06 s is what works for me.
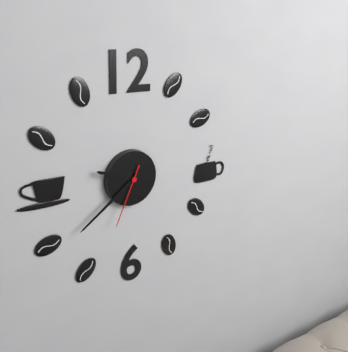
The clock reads 9 h 39 min 34 s
